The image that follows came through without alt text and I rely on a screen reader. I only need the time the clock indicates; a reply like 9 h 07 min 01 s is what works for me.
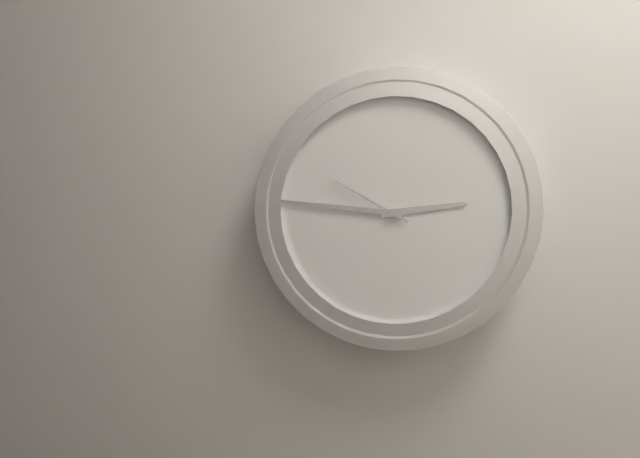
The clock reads 2 h 46 min 50 s
